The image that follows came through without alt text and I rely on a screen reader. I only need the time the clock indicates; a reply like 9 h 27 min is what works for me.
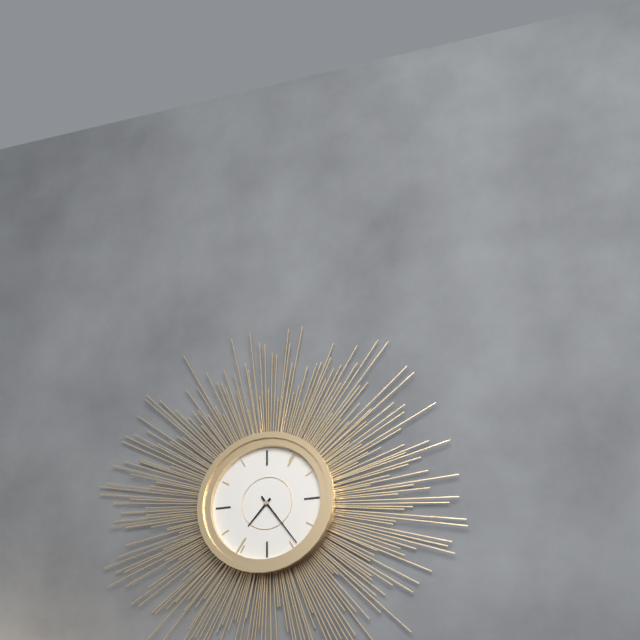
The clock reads 7 h 24 min
